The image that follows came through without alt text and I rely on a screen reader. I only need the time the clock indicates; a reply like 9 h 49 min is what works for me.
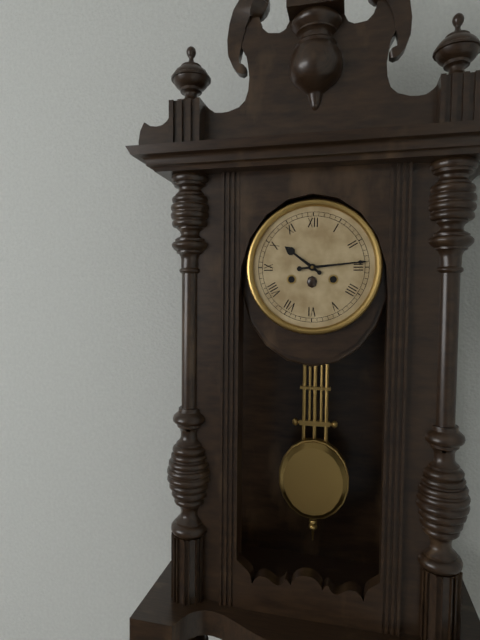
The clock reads 10 h 14 min
